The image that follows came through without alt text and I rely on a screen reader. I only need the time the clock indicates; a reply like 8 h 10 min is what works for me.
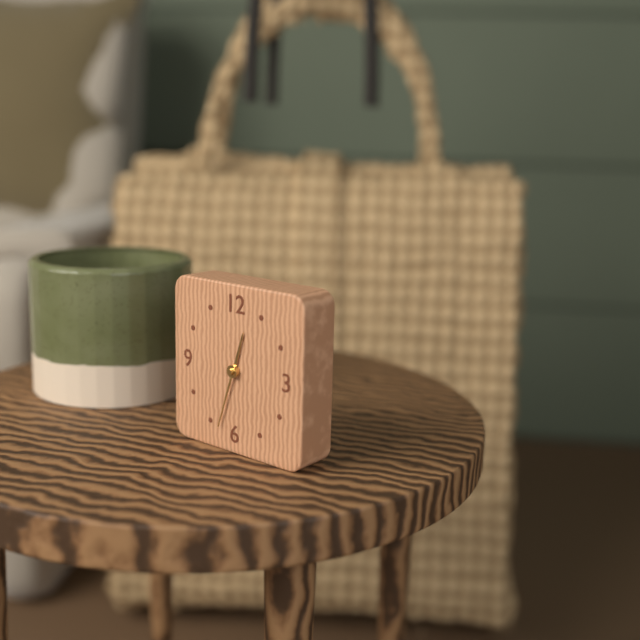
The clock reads 12 h 33 min
